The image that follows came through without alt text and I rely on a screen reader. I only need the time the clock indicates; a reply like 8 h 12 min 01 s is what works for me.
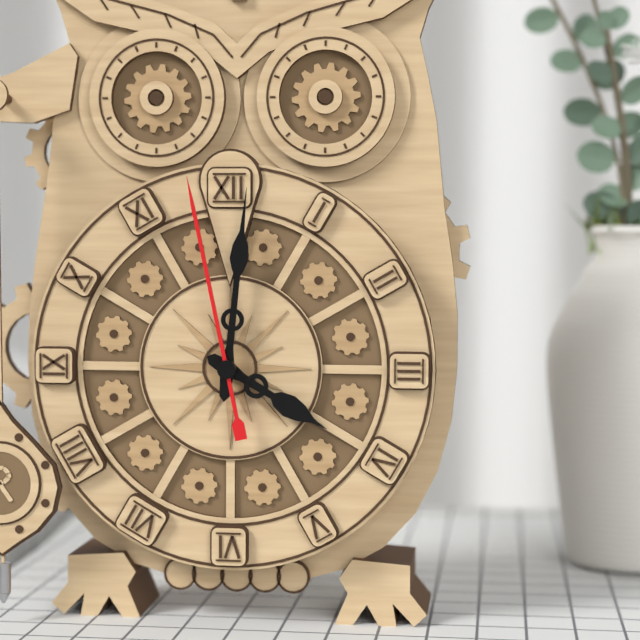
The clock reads 4 h 01 min 58 s
